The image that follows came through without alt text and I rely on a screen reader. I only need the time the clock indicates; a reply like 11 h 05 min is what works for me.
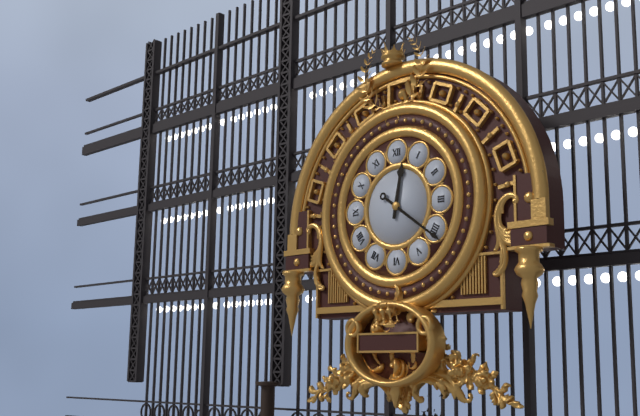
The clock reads 12 h 21 min
